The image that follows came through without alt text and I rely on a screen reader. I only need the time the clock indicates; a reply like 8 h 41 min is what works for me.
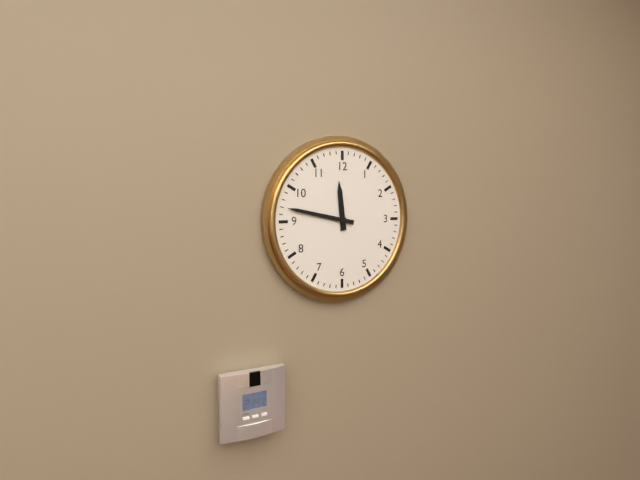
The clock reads 11 h 47 min
